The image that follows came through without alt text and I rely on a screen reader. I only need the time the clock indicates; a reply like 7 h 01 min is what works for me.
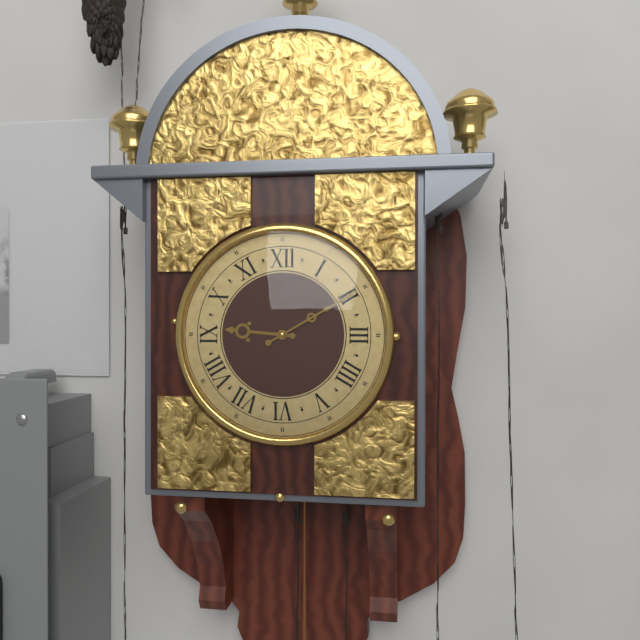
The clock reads 9 h 10 min
